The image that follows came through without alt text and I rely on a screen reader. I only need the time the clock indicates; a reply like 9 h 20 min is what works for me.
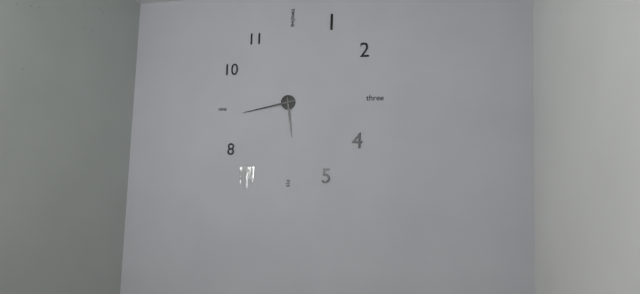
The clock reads 5 h 43 min
